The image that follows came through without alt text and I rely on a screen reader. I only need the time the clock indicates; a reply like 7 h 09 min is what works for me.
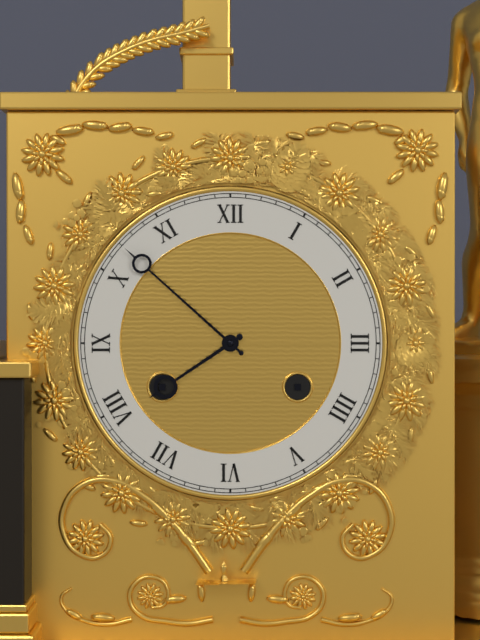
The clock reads 7 h 52 min
